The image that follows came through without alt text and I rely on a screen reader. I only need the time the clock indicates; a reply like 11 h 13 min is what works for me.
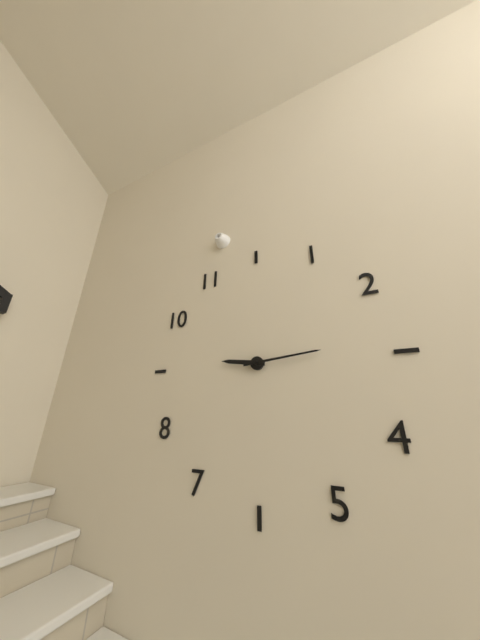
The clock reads 9 h 14 min
